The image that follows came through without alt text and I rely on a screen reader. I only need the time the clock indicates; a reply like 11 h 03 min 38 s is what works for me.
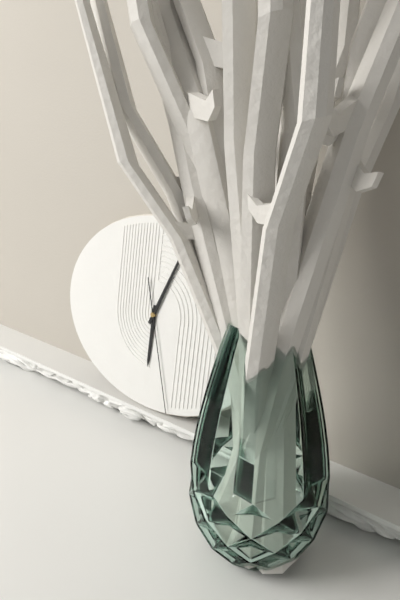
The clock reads 6 h 04 min 27 s
